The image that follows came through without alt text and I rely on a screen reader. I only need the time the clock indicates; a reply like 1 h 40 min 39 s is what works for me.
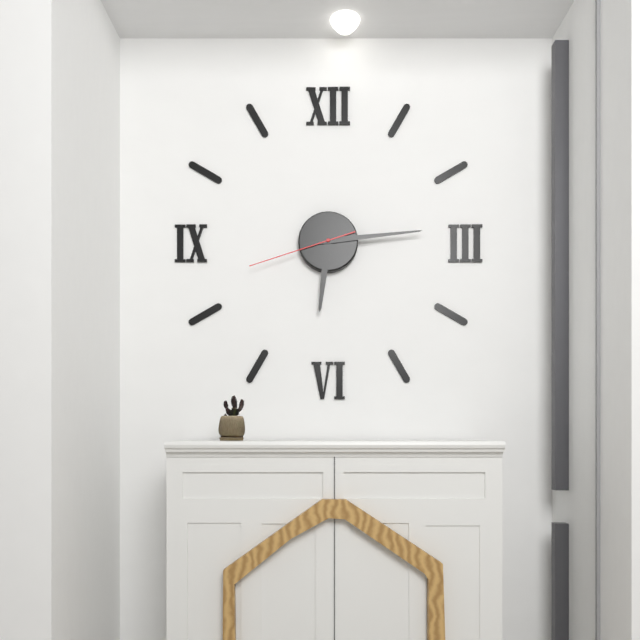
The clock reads 6 h 14 min 42 s
